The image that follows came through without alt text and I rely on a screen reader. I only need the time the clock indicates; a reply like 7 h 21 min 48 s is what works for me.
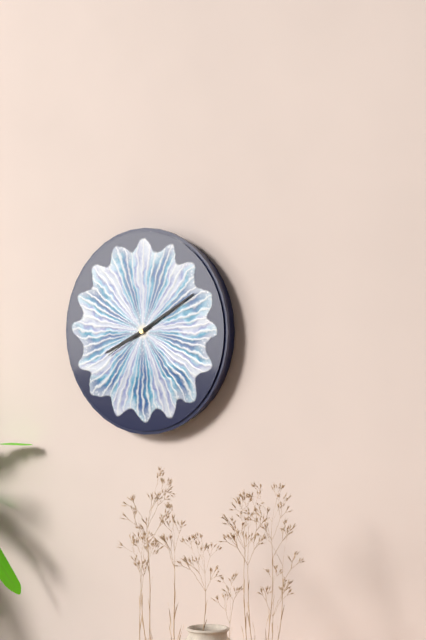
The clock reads 8 h 10 min 40 s
